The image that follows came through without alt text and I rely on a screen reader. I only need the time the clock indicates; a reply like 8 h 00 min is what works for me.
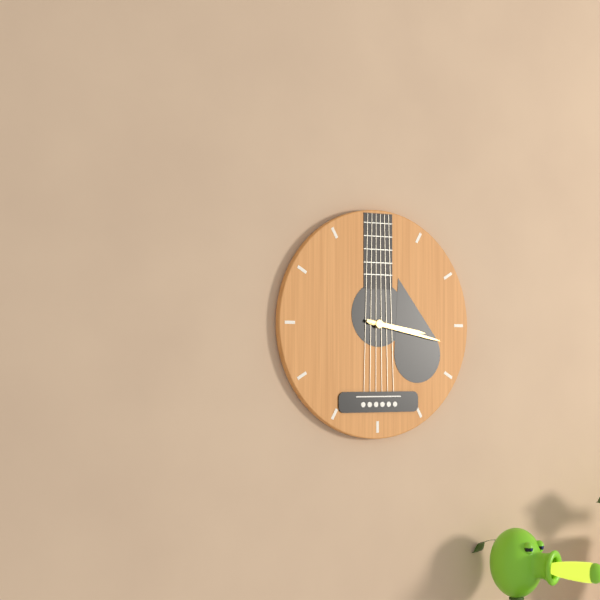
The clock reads 3 h 17 min
